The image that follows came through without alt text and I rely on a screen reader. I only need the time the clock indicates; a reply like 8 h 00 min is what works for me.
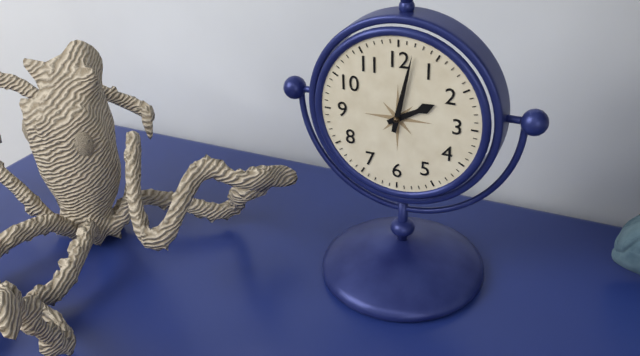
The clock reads 2 h 02 min
